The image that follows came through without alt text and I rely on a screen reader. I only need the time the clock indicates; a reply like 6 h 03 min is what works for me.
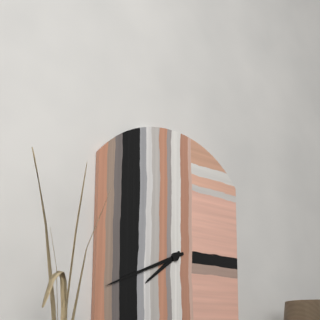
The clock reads 7 h 41 min
